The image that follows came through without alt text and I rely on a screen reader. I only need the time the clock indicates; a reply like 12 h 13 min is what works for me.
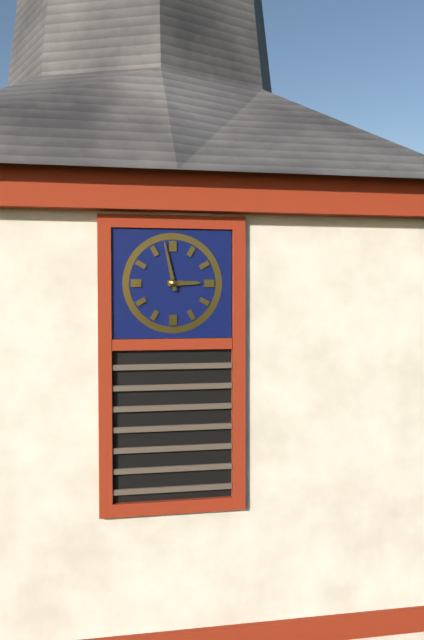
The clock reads 2 h 58 min
